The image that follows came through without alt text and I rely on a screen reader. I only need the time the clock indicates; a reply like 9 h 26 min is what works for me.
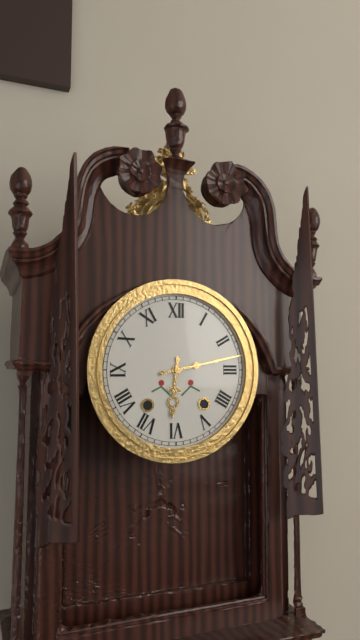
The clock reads 6 h 13 min
